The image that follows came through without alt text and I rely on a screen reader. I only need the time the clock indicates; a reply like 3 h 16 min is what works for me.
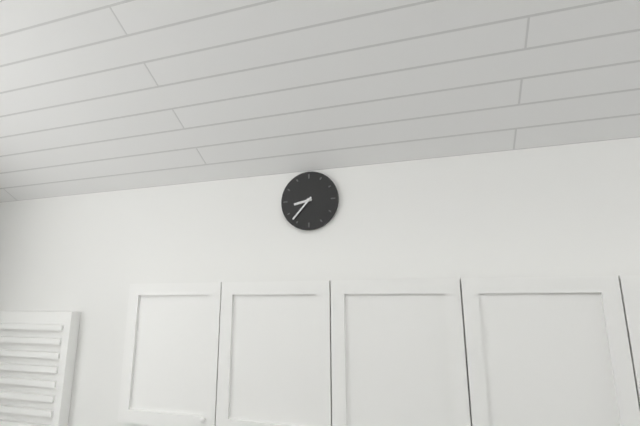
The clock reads 8 h 37 min
